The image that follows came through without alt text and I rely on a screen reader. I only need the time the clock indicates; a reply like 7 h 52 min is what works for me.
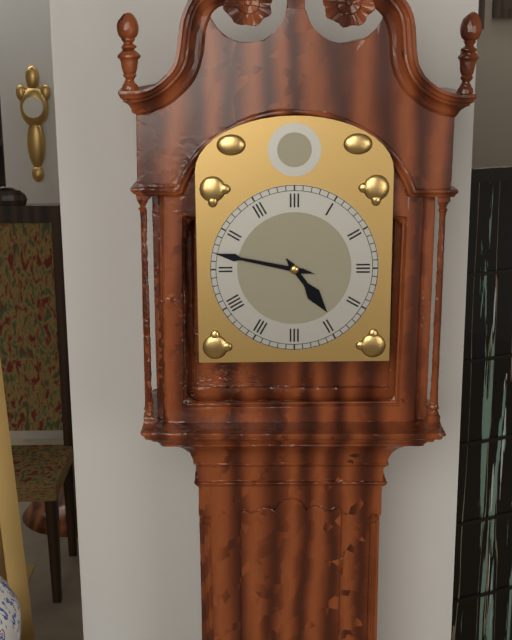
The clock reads 4 h 47 min
